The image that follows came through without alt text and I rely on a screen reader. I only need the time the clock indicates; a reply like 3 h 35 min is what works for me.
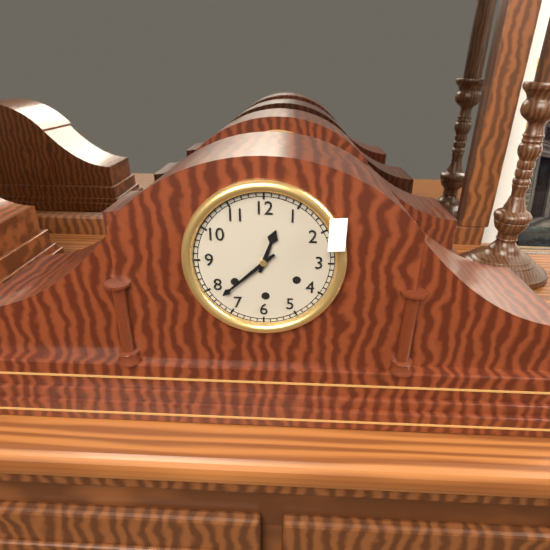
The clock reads 12 h 38 min
